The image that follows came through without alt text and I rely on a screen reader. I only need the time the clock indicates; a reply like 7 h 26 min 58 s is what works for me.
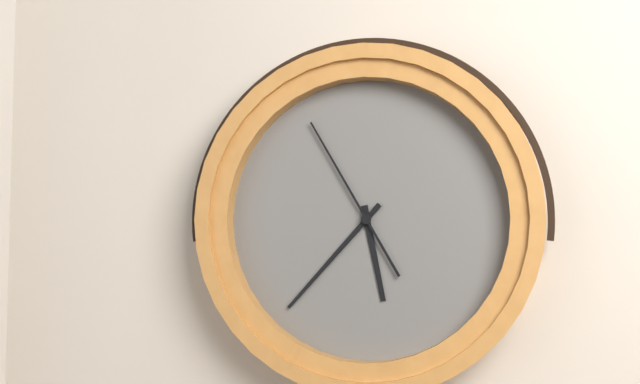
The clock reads 5 h 37 min 55 s
